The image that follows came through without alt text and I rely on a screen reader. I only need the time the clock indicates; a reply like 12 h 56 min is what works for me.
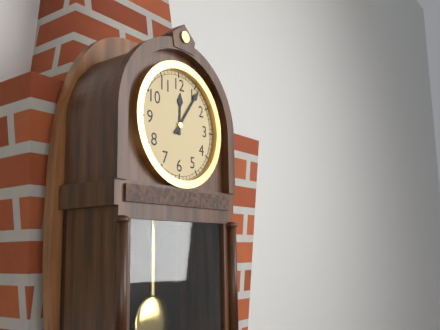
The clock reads 12 h 06 min
